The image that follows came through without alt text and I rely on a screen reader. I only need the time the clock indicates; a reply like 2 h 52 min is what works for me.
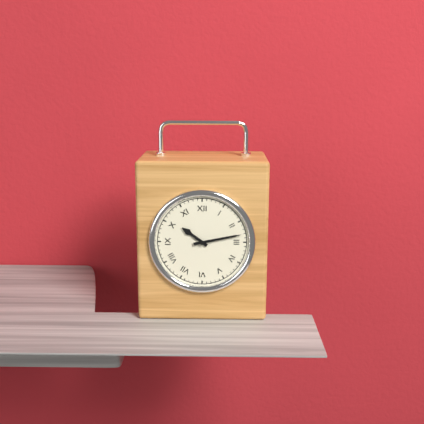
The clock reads 10 h 13 min
